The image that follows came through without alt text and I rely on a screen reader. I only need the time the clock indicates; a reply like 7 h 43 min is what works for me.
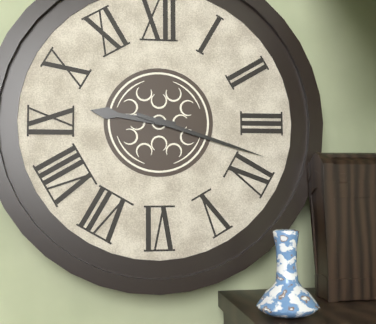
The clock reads 9 h 18 min
